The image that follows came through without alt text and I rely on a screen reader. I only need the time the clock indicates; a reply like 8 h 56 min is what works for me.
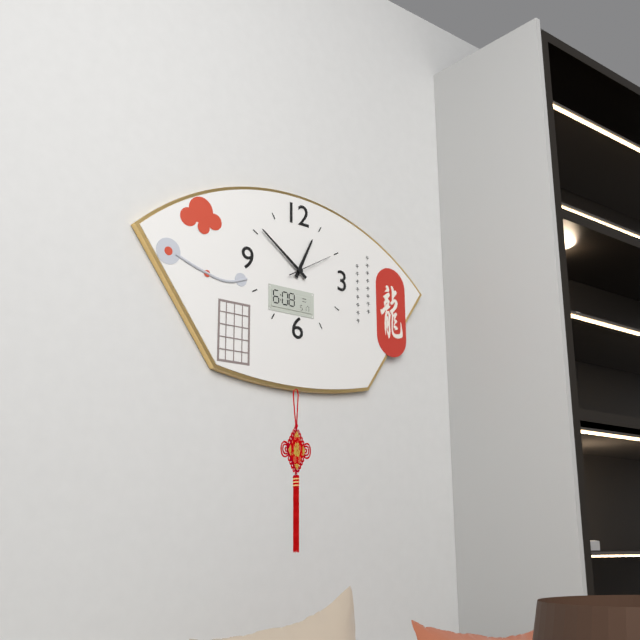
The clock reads 12 h 51 min
